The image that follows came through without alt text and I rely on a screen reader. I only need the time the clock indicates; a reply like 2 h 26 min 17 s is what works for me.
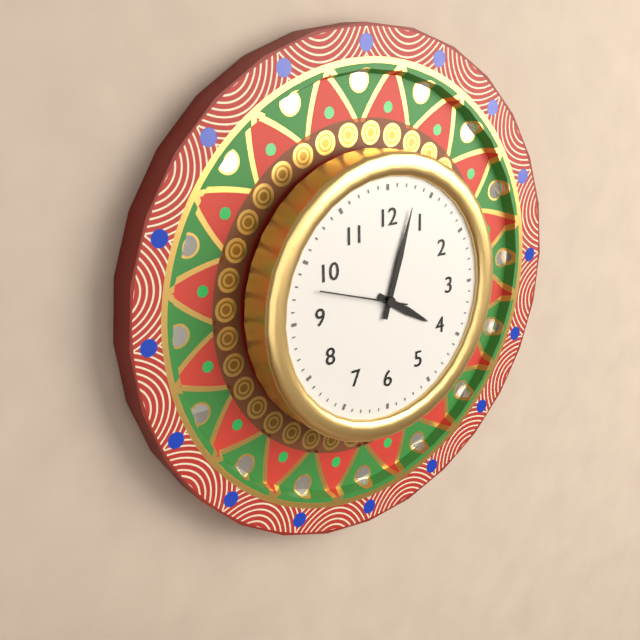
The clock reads 4 h 03 min 48 s
